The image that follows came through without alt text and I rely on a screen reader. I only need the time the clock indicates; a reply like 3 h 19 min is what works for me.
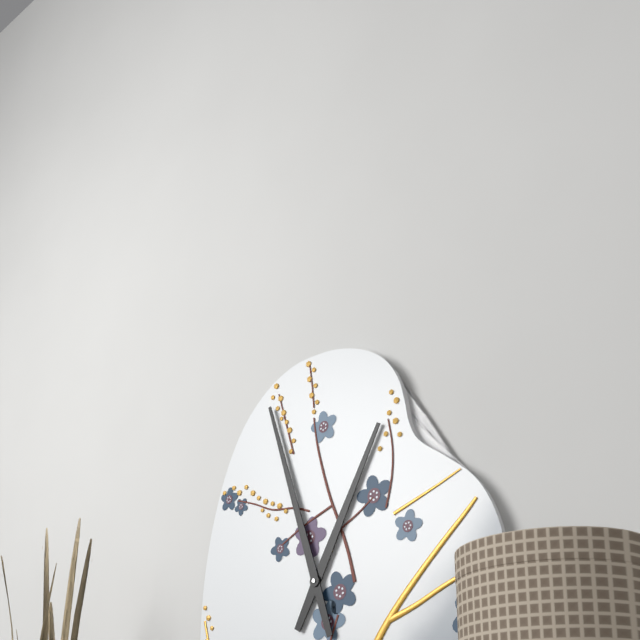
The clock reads 12 h 57 min
